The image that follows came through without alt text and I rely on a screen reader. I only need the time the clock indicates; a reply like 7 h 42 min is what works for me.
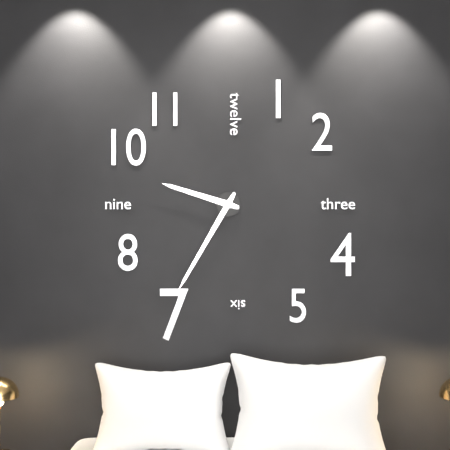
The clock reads 9 h 35 min
